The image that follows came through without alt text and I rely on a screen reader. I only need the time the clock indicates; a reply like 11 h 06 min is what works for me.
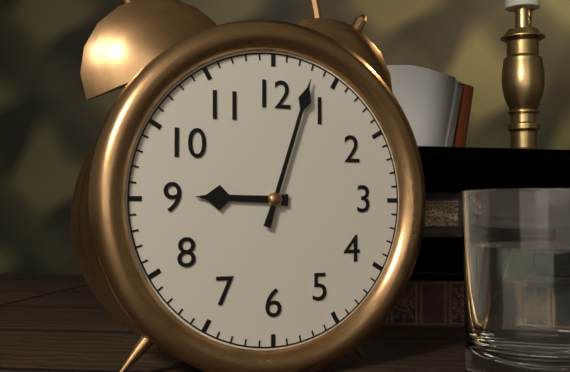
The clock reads 9 h 03 min
